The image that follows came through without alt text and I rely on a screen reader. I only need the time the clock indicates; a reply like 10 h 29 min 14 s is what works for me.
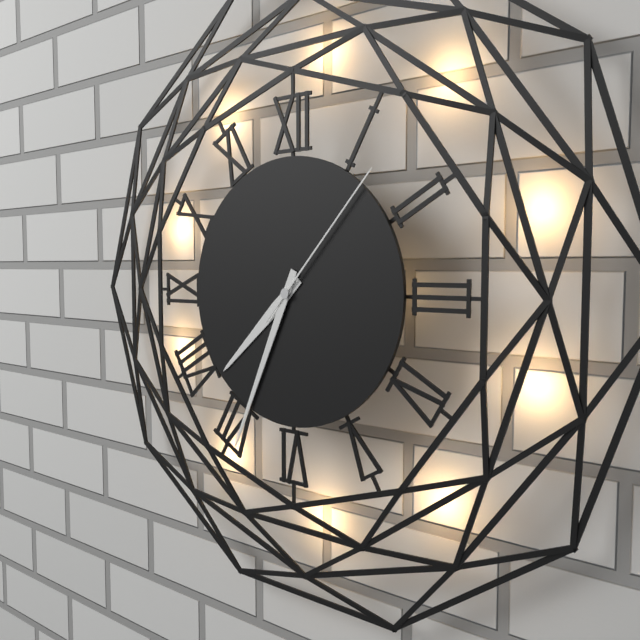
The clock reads 7 h 34 min 07 s
